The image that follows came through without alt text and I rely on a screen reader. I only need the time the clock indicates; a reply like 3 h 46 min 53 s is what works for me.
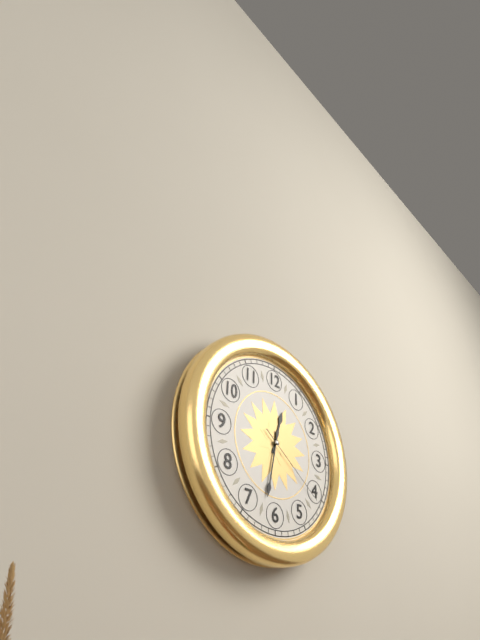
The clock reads 12 h 32 min 21 s
